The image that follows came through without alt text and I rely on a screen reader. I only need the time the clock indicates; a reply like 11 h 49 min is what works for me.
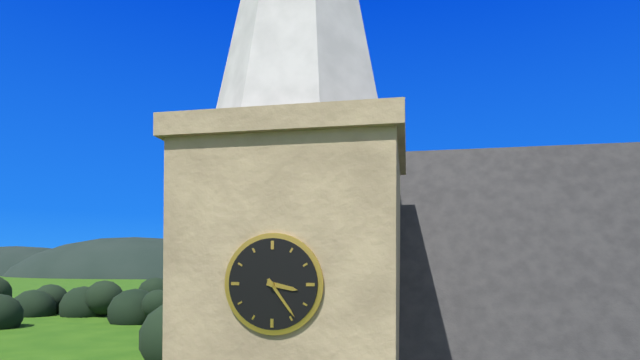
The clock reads 3 h 24 min
